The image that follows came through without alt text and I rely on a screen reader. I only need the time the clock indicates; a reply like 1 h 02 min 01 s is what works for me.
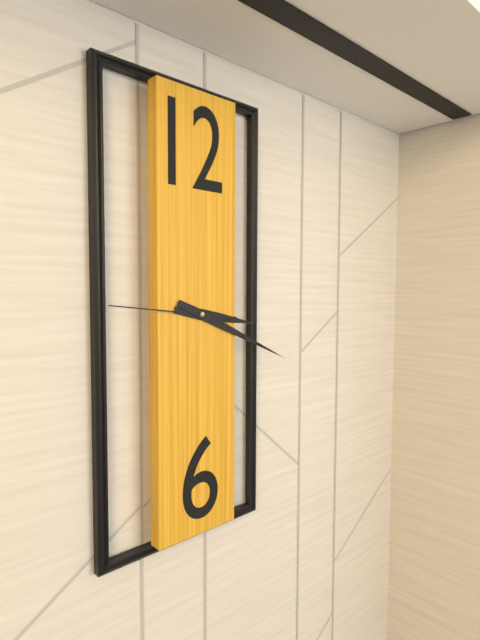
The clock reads 3 h 19 min 46 s
